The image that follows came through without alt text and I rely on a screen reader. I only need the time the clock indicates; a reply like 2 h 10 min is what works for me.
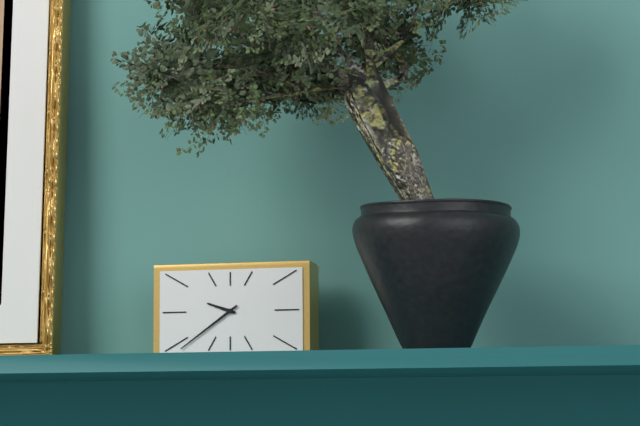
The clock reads 9 h 39 min
